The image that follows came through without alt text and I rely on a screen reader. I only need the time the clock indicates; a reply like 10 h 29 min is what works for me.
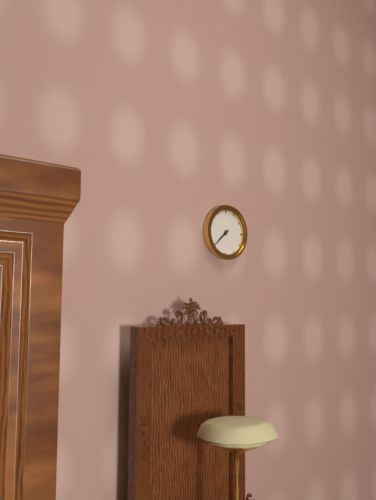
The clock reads 7 h 38 min
